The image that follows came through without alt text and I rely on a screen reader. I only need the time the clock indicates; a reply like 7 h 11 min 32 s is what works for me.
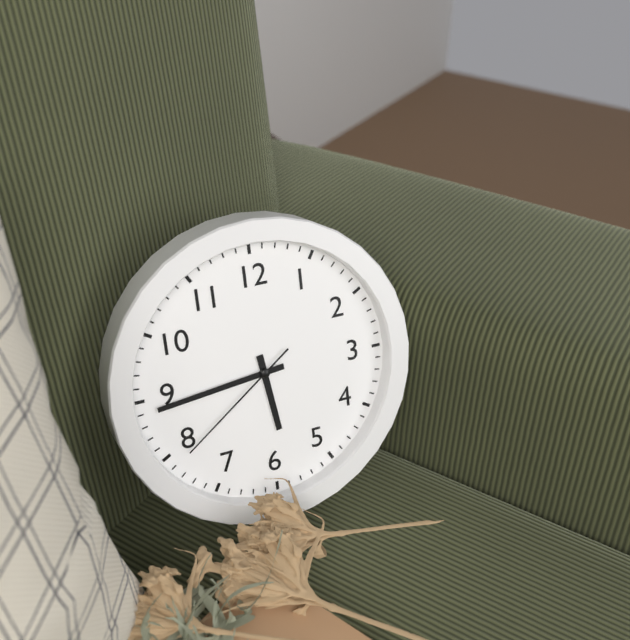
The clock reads 5 h 44 min 39 s
